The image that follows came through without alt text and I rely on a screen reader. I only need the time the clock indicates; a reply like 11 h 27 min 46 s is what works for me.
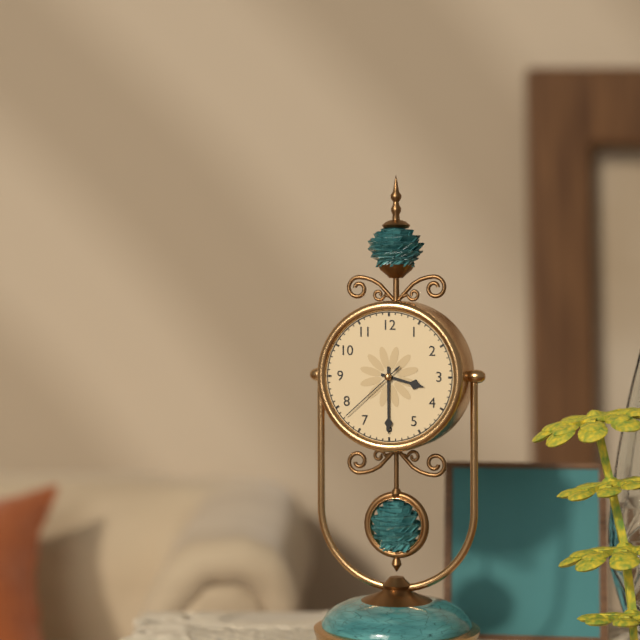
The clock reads 3 h 30 min 38 s
